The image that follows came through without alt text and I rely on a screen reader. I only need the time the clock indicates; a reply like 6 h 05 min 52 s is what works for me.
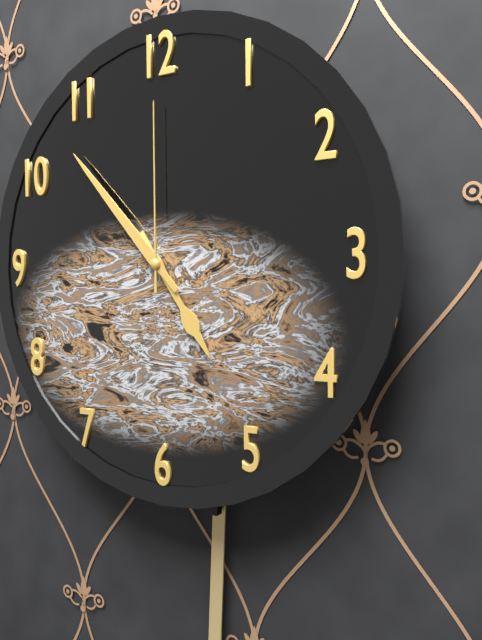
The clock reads 4 h 53 min 00 s
